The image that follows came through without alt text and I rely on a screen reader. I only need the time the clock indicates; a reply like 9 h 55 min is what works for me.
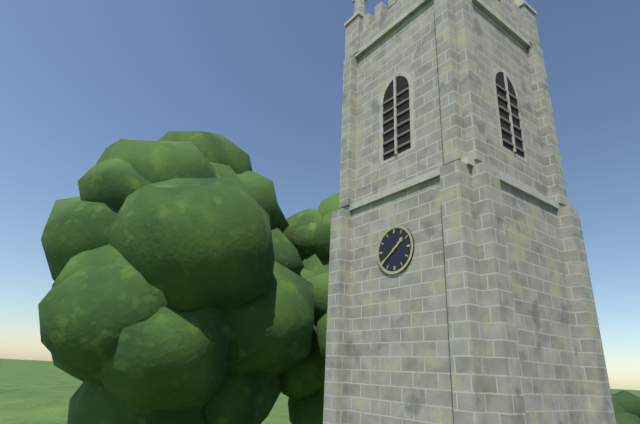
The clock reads 1 h 39 min
